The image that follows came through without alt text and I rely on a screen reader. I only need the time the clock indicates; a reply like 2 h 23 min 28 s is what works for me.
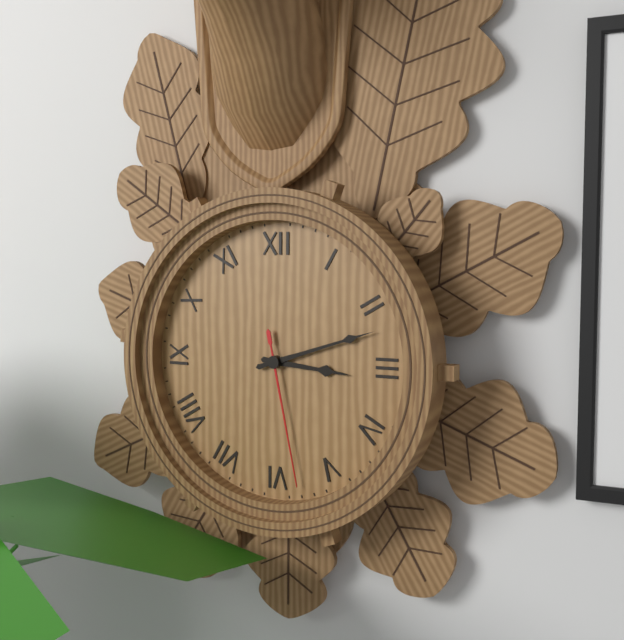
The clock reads 3 h 12 min 28 s
